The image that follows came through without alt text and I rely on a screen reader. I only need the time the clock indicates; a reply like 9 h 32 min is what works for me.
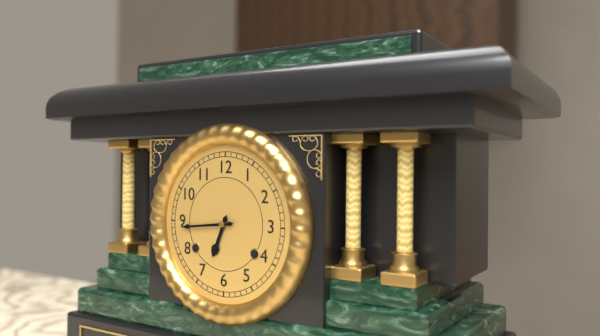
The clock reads 6 h 44 min
